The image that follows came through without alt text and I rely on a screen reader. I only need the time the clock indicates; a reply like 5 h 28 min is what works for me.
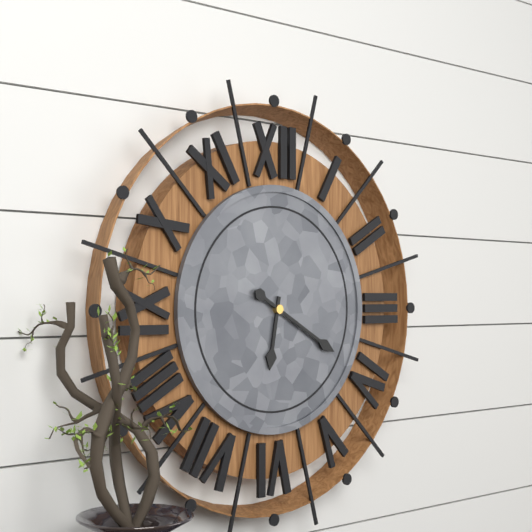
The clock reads 6 h 20 min
